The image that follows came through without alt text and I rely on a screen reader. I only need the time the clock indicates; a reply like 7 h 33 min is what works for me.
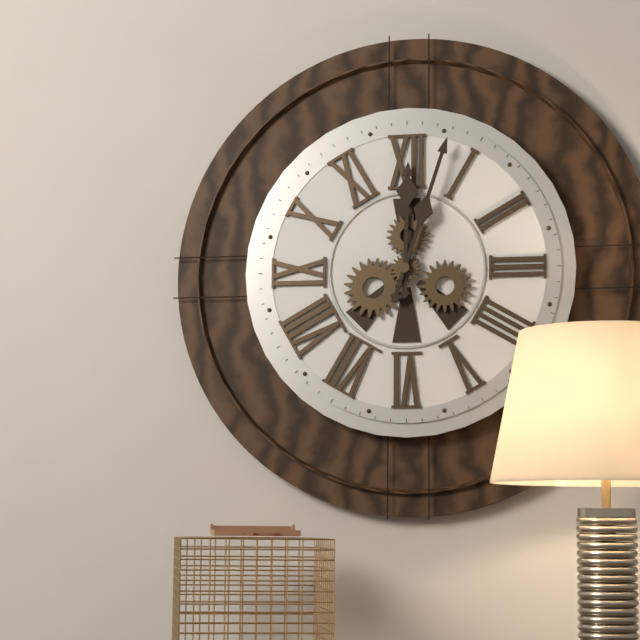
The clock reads 12 h 03 min
